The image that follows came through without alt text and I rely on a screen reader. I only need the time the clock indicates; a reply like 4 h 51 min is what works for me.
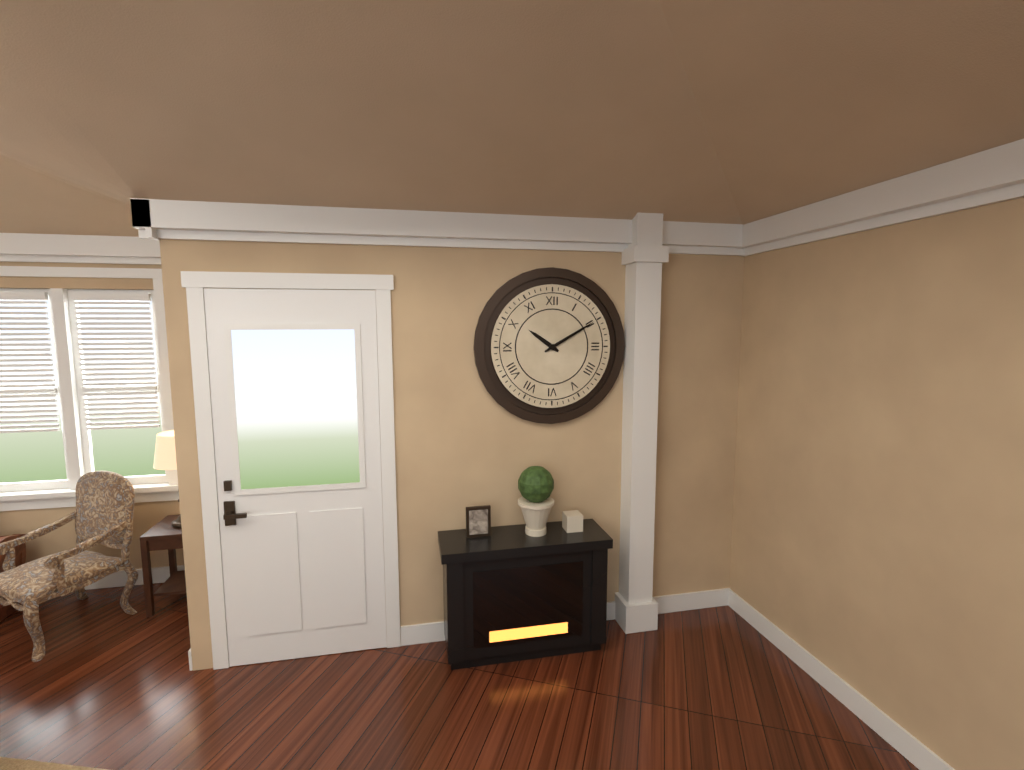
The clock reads 10 h 10 min
